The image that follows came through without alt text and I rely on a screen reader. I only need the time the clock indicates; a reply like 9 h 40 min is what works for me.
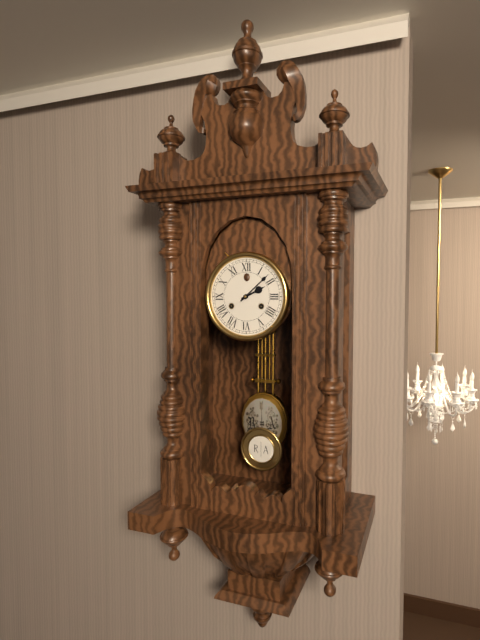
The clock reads 2 h 08 min
